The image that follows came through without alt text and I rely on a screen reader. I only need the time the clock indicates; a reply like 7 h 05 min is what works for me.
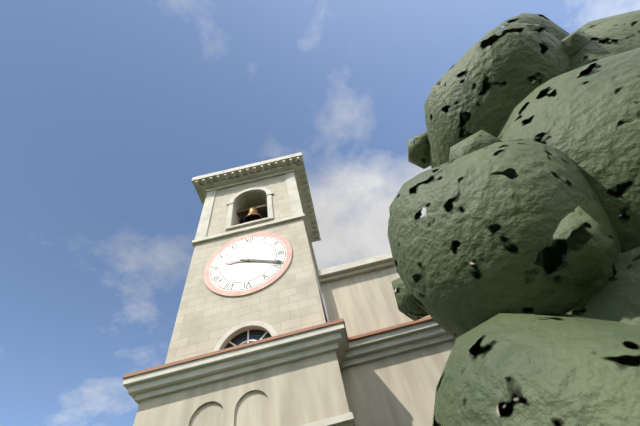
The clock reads 9 h 19 min
